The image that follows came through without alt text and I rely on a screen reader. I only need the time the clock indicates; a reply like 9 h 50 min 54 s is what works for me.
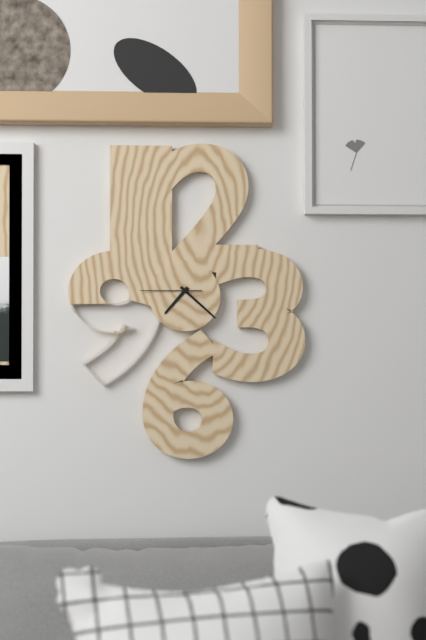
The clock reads 7 h 22 min 45 s
